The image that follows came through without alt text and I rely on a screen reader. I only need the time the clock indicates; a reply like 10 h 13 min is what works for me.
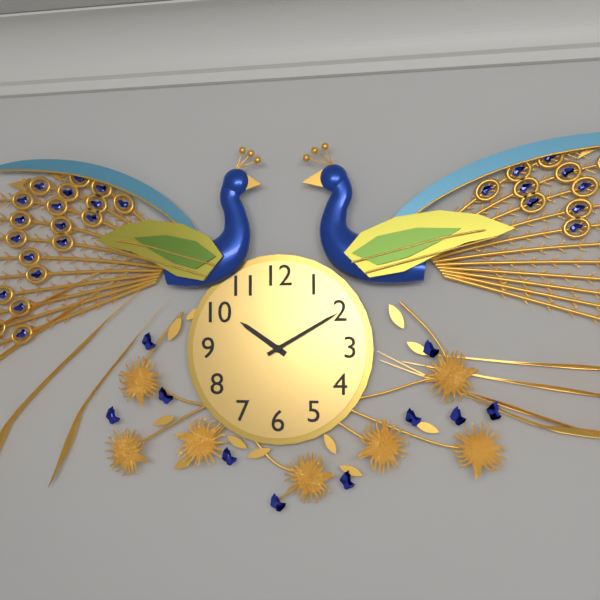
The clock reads 10 h 10 min
